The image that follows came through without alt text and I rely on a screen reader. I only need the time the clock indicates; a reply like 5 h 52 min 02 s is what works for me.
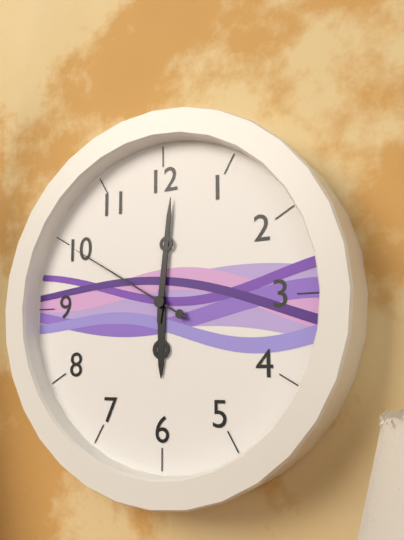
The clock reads 6 h 01 min 50 s
